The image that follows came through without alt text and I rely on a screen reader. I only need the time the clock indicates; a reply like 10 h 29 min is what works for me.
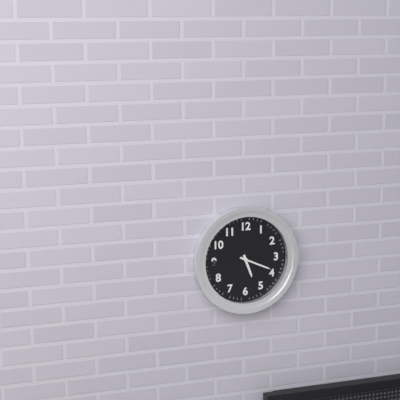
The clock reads 5 h 19 min
